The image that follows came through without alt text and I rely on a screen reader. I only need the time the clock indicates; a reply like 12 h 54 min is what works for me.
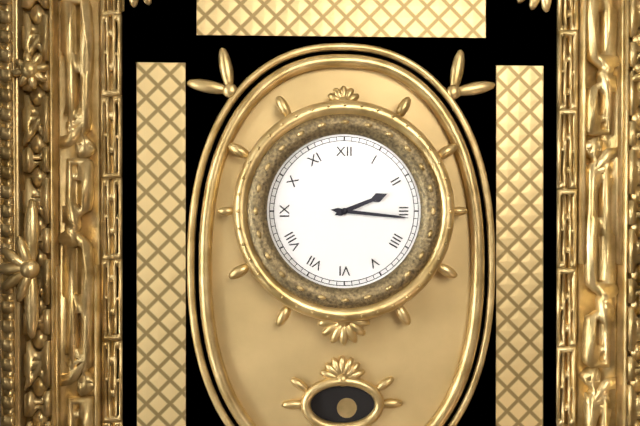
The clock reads 2 h 16 min
